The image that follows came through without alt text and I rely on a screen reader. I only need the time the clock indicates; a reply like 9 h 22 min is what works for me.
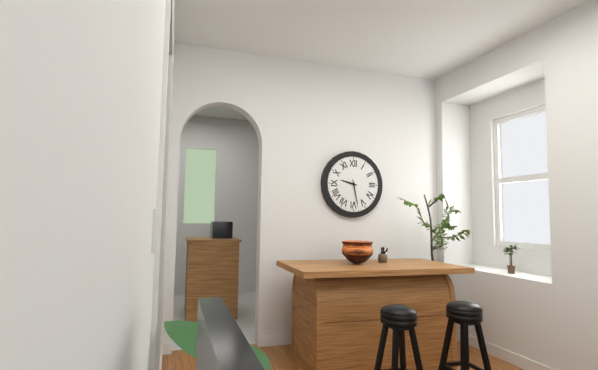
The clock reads 9 h 28 min
